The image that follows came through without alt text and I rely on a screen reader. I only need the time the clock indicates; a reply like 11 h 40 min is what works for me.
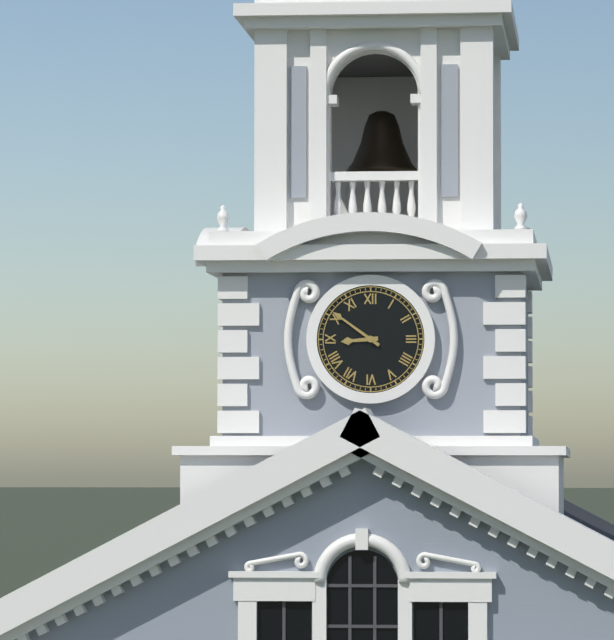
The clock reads 8 h 51 min
